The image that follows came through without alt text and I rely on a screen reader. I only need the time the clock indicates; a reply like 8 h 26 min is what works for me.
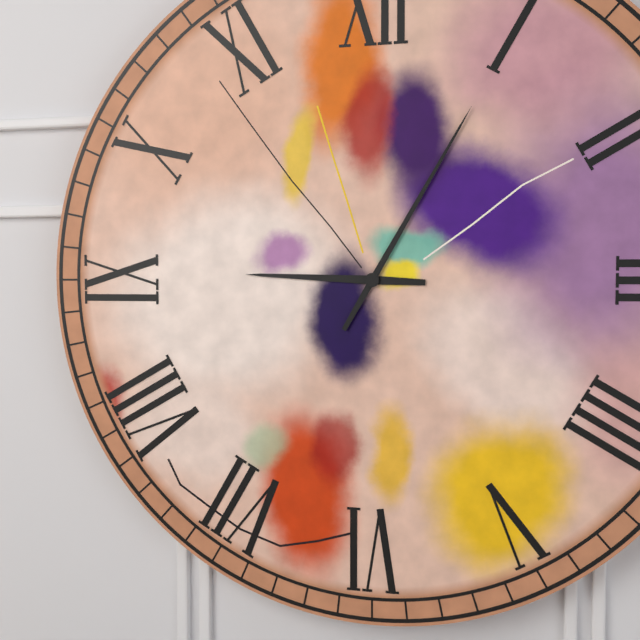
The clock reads 9 h 05 min
